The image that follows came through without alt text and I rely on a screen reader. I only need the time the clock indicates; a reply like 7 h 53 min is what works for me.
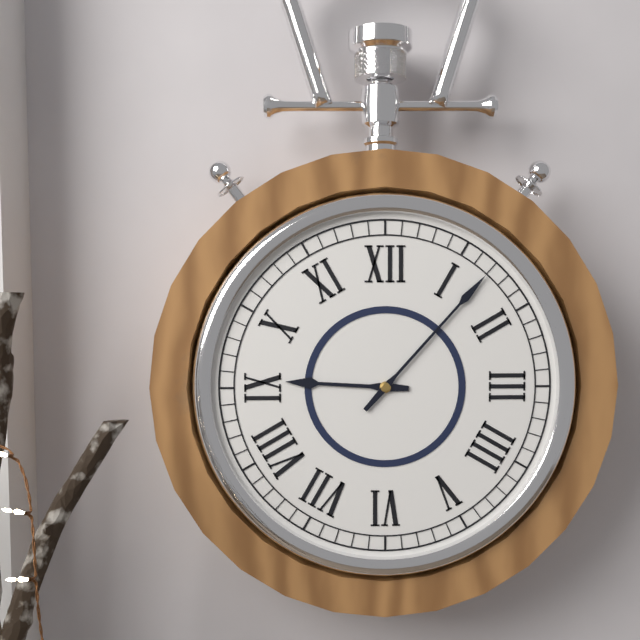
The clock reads 9 h 07 min
